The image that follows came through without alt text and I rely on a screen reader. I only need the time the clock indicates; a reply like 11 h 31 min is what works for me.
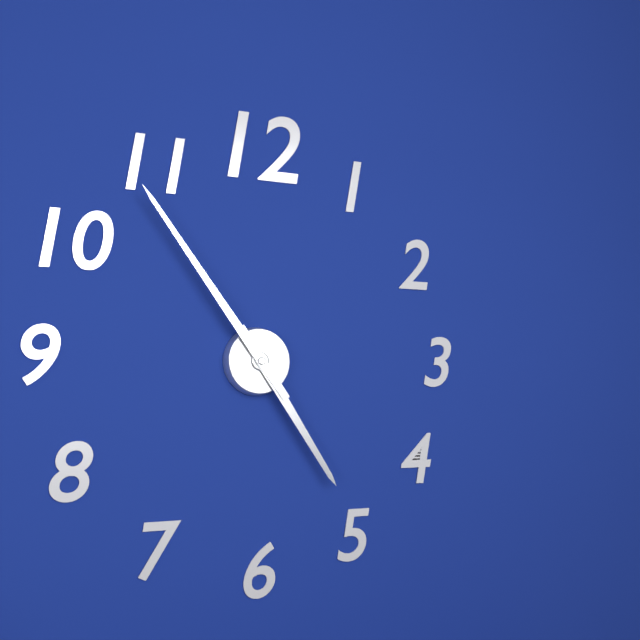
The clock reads 4 h 54 min
